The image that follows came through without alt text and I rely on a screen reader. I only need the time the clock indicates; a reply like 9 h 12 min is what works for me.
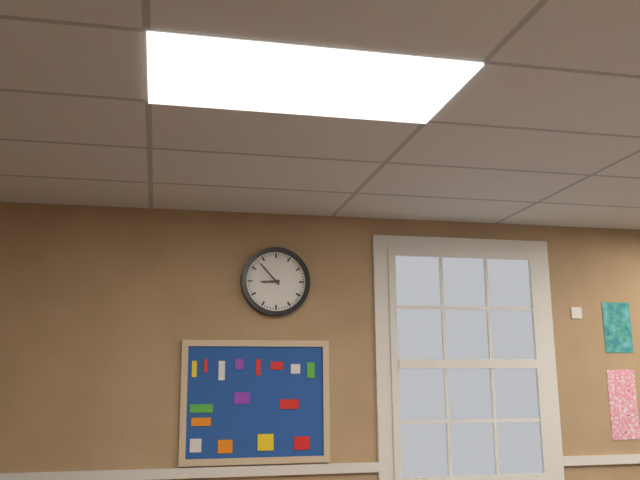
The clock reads 8 h 53 min
